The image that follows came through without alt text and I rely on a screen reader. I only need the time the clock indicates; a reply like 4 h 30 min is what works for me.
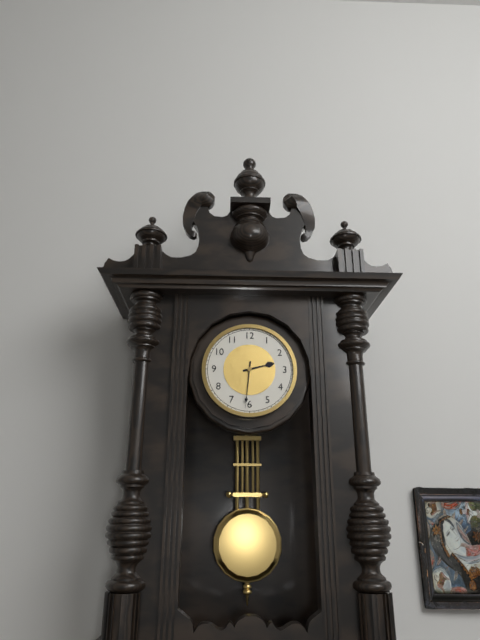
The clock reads 2 h 31 min
